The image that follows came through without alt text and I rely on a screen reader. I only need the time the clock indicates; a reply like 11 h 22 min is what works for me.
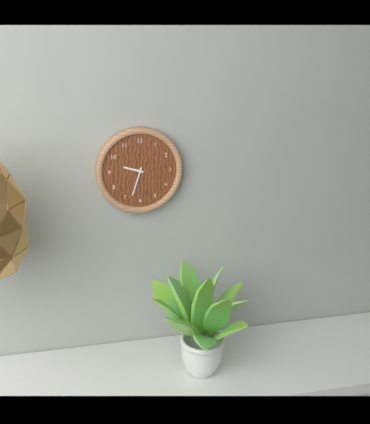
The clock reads 9 h 33 min
